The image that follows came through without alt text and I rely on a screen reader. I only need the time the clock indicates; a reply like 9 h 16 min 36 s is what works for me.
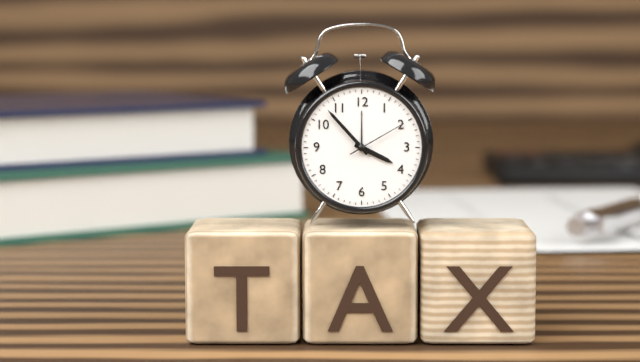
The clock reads 3 h 53 min 10 s
